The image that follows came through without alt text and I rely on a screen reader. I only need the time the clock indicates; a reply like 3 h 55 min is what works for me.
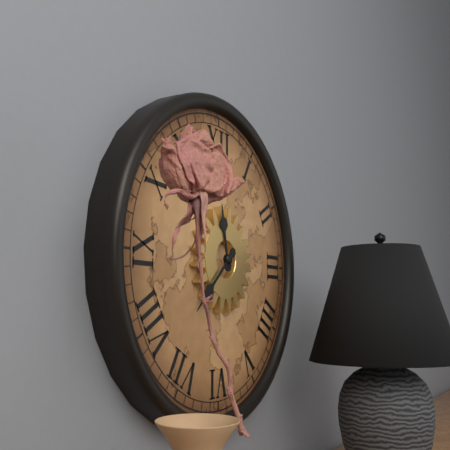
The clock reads 11 h 38 min
